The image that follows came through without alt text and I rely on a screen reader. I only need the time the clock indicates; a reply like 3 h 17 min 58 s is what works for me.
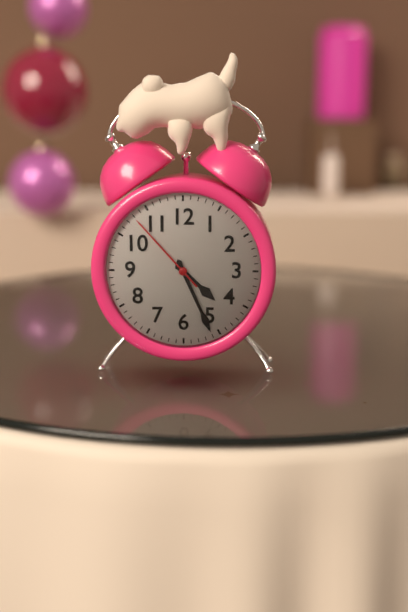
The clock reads 4 h 26 min 53 s
